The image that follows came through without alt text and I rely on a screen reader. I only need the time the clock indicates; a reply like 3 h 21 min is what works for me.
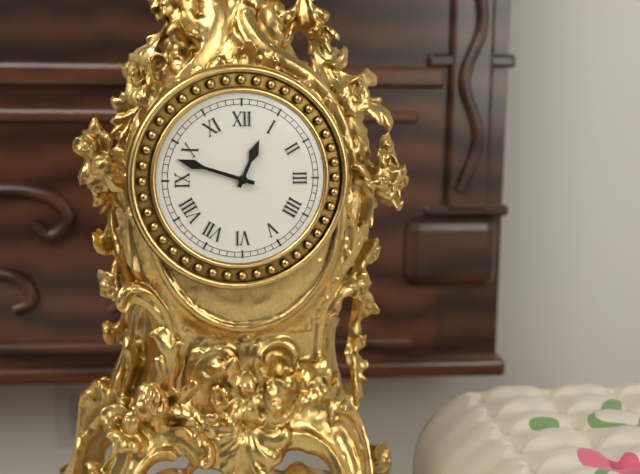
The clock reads 12 h 48 min
